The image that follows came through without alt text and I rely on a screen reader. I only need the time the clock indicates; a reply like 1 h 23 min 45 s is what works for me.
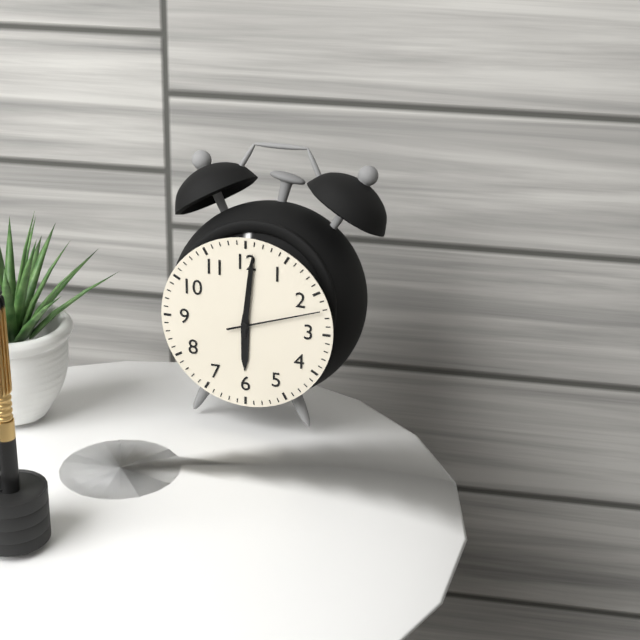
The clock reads 6 h 01 min 12 s
